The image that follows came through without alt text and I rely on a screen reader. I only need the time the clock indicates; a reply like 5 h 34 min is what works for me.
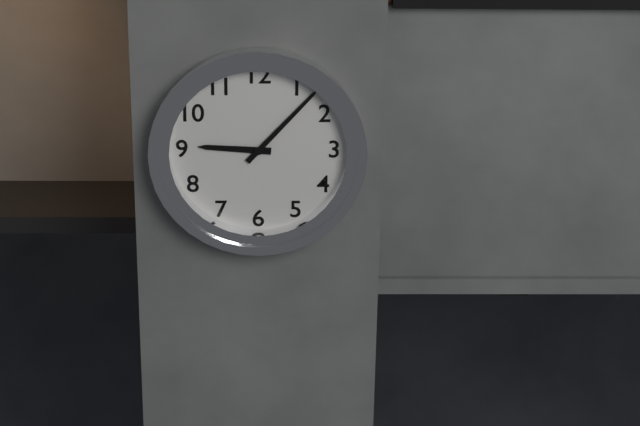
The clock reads 9 h 07 min
